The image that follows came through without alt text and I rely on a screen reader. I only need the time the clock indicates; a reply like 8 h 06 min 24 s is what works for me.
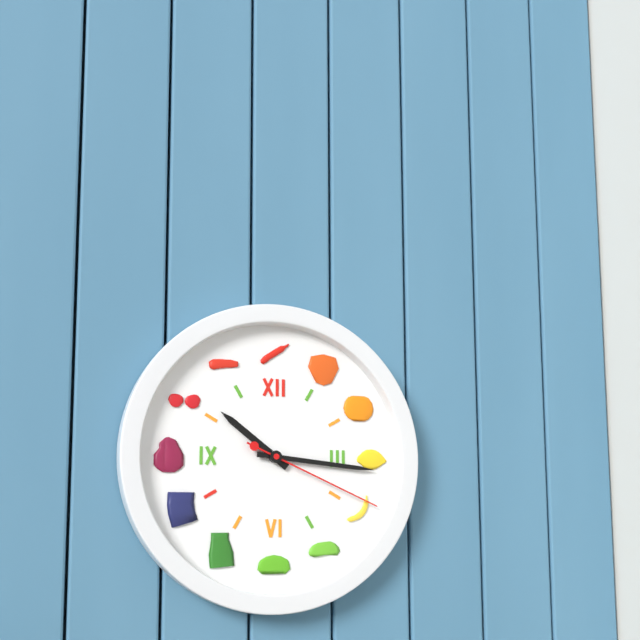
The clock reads 10 h 16 min 19 s
